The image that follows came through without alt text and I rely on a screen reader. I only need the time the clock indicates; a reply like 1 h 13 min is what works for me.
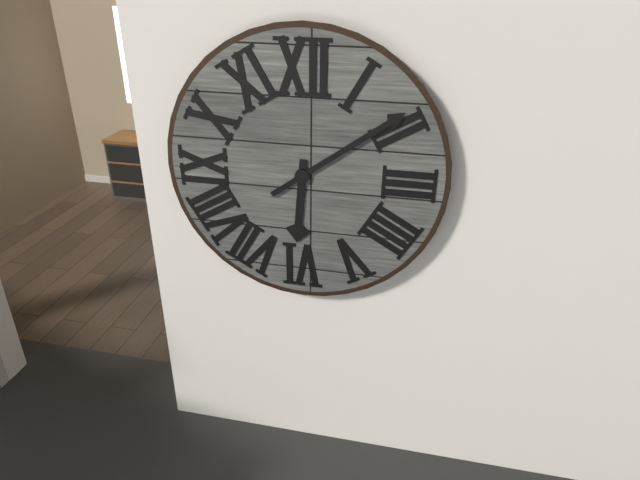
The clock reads 6 h 09 min
